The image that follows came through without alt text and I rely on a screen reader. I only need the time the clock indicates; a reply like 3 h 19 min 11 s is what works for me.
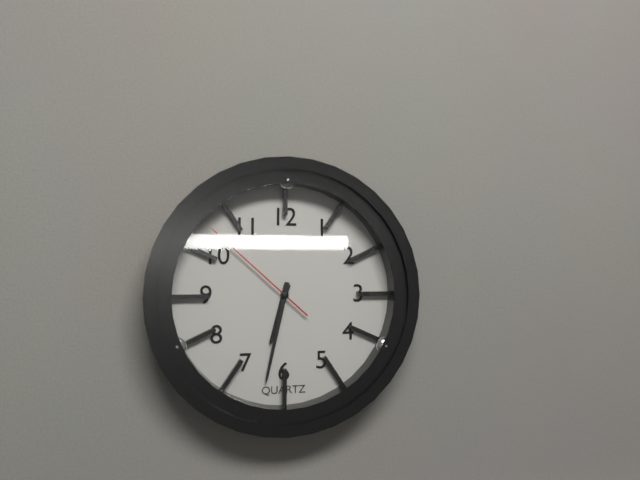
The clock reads 6 h 32 min 52 s
